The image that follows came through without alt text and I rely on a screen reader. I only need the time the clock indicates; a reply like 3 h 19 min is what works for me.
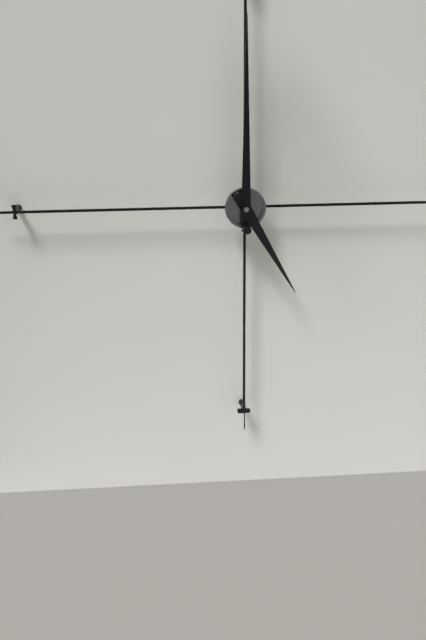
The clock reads 5 h 00 min
